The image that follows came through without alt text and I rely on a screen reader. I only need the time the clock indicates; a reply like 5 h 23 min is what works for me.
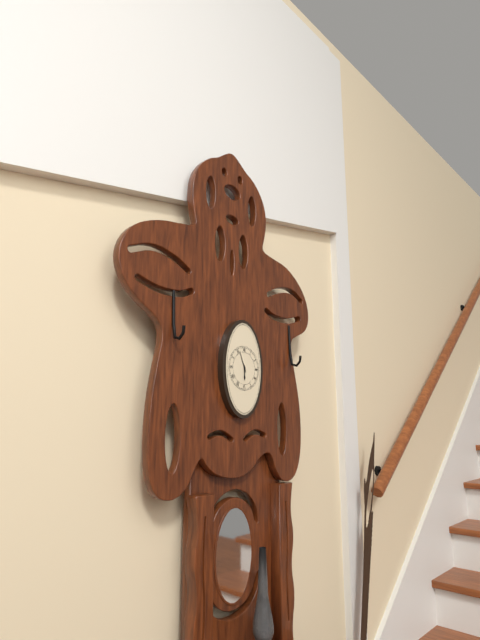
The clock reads 5 h 56 min
